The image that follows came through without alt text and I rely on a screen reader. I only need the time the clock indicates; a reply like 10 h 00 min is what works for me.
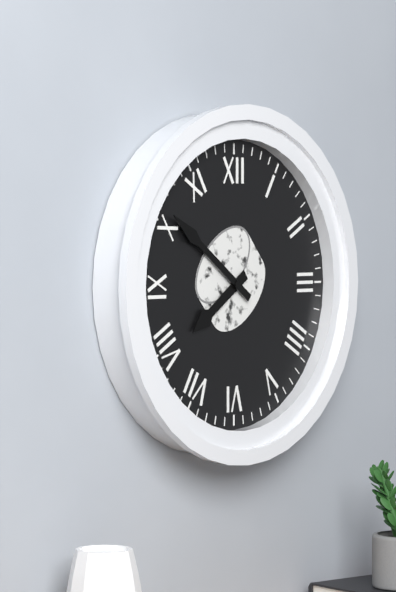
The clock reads 7 h 51 min
